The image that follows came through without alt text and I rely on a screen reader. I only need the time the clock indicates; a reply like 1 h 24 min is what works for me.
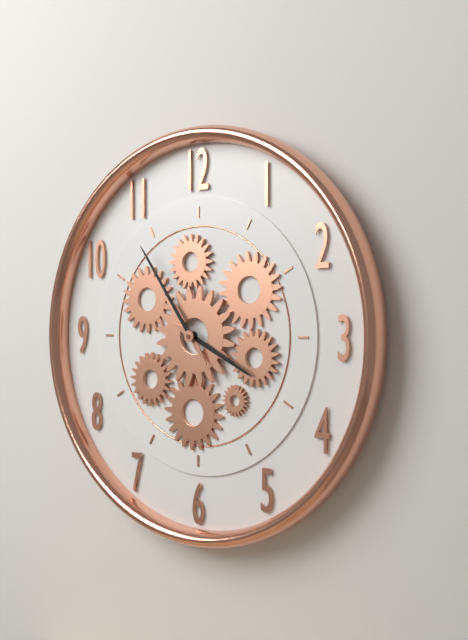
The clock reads 3 h 54 min
